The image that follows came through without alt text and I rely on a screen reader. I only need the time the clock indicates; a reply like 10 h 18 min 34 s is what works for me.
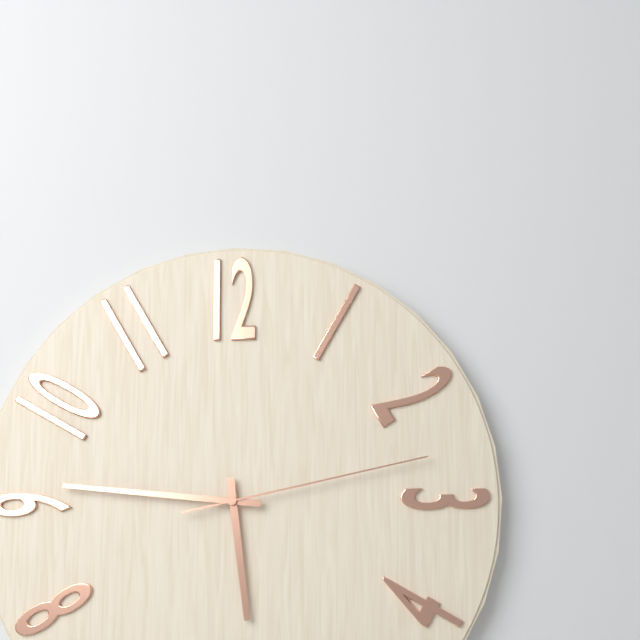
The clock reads 5 h 46 min 13 s
